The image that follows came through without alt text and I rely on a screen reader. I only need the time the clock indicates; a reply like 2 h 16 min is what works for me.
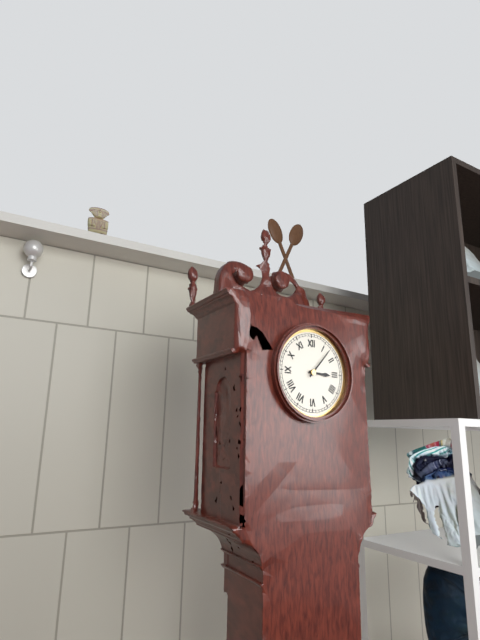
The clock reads 3 h 07 min
